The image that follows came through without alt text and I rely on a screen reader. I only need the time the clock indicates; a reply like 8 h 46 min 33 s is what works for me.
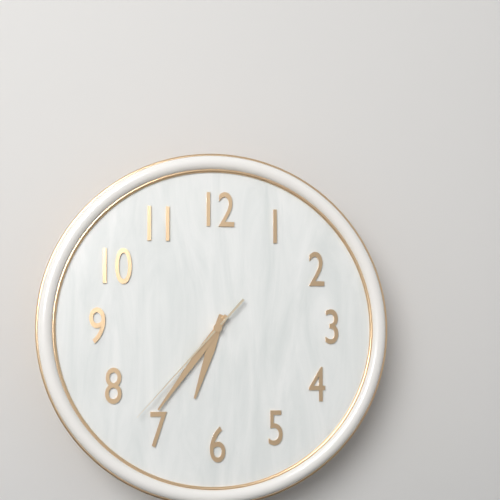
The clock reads 6 h 36 min 37 s
